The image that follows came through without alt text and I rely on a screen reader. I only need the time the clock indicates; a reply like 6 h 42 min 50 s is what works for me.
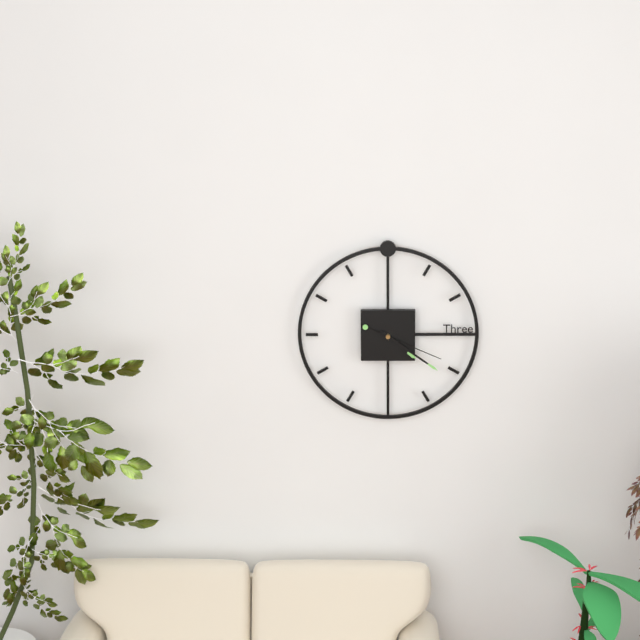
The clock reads 4 h 21 min 19 s
